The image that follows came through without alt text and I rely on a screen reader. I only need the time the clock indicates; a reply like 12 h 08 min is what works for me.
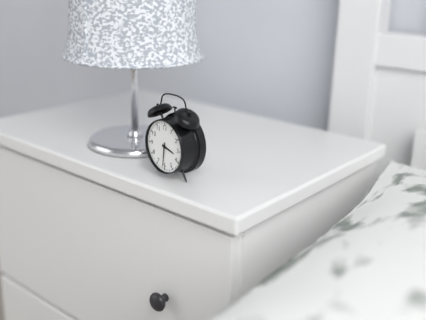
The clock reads 3 h 31 min
